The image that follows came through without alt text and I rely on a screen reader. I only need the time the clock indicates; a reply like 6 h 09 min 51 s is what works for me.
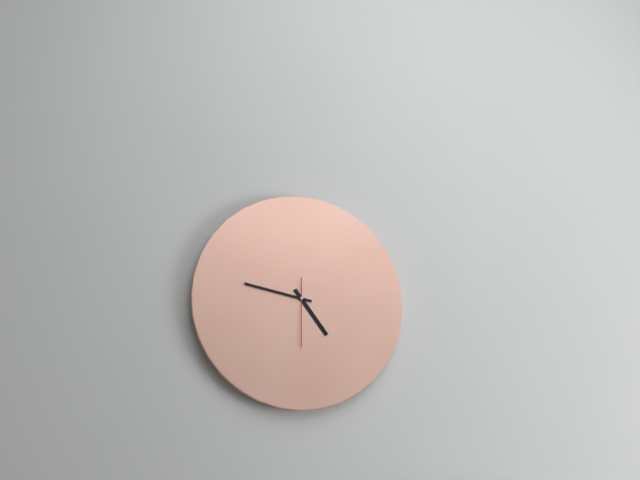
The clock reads 4 h 47 min 30 s
